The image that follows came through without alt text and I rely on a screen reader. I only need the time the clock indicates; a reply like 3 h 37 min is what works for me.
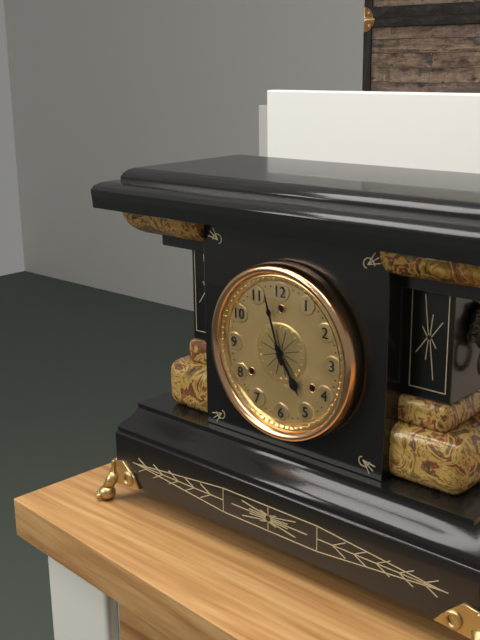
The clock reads 4 h 57 min
